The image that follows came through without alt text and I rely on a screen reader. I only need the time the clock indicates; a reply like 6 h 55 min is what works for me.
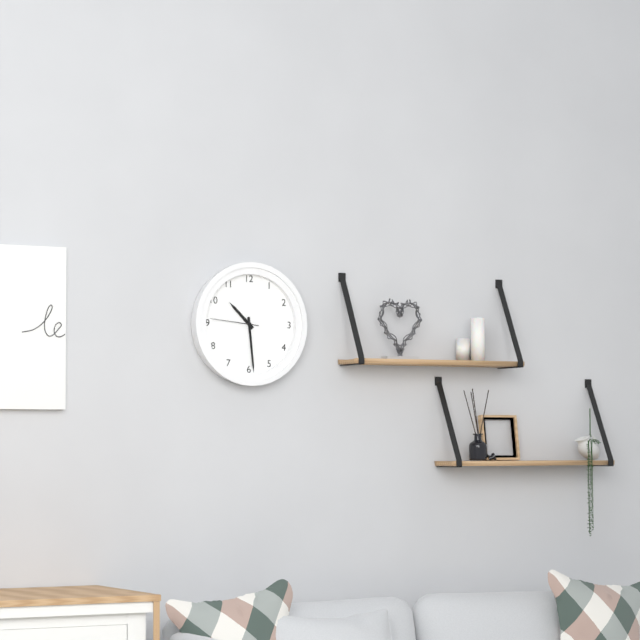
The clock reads 10 h 29 min
